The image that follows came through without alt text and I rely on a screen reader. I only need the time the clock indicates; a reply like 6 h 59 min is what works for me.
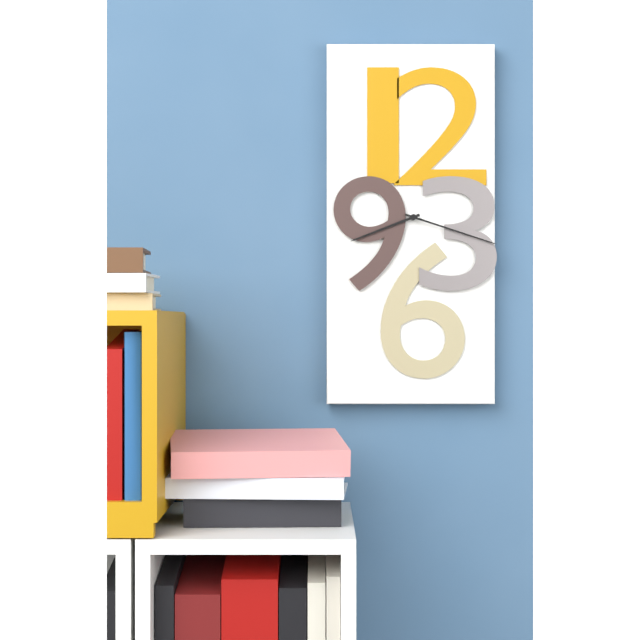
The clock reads 8 h 18 min
